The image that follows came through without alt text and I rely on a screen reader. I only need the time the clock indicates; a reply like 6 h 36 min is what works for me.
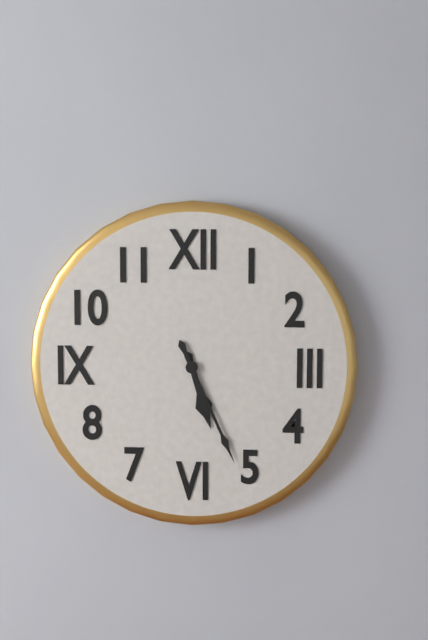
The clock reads 5 h 26 min
